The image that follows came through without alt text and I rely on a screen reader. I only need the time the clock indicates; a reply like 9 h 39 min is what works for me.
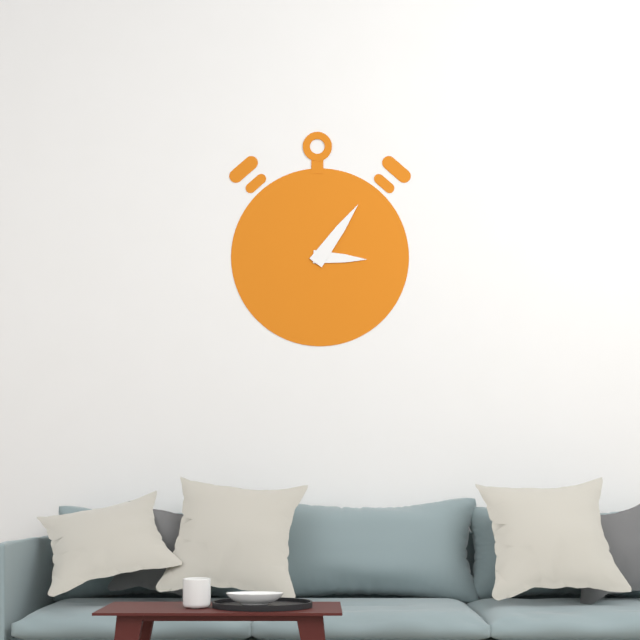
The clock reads 3 h 06 min
